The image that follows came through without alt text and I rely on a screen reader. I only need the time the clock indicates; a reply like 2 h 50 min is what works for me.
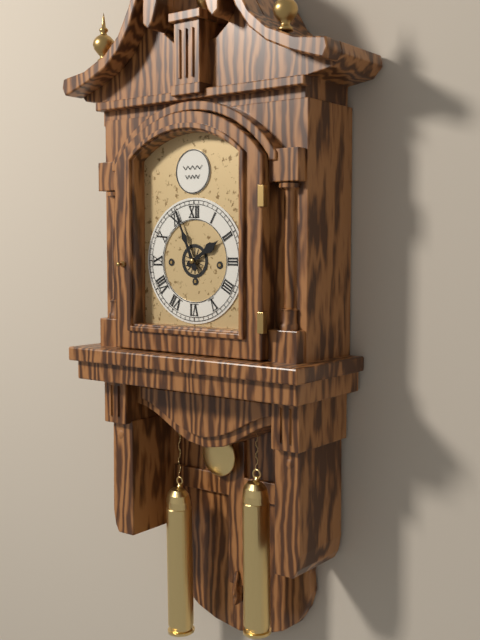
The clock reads 1 h 56 min
